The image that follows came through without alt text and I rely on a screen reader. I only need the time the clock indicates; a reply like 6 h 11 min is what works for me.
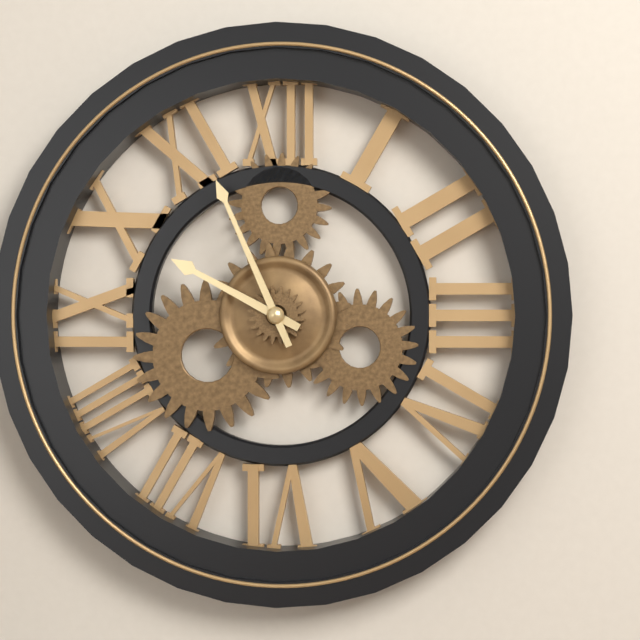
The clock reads 9 h 56 min
